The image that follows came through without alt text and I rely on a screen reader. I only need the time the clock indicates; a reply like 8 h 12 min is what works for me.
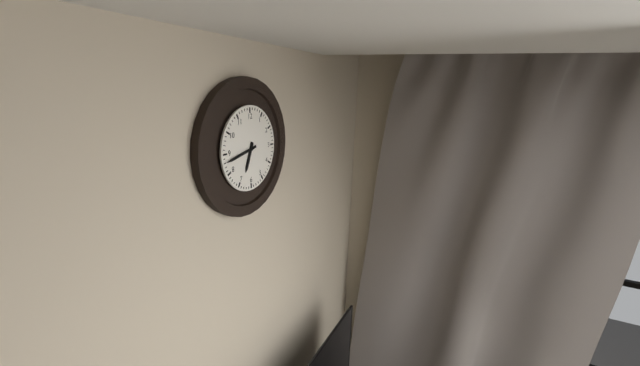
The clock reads 6 h 43 min
